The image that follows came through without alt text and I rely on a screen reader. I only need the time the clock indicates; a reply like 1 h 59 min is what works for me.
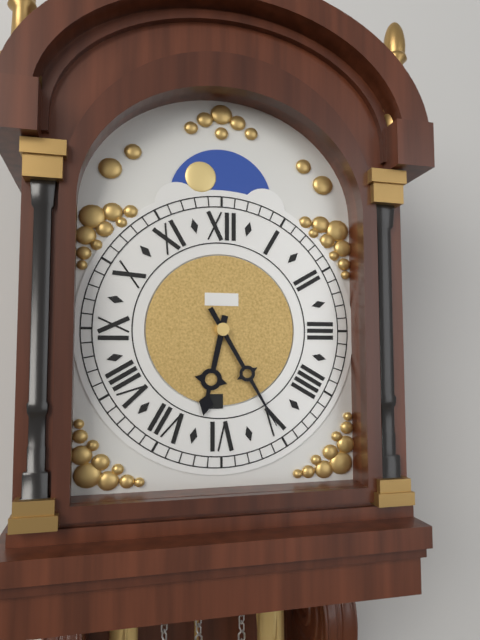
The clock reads 6 h 25 min
